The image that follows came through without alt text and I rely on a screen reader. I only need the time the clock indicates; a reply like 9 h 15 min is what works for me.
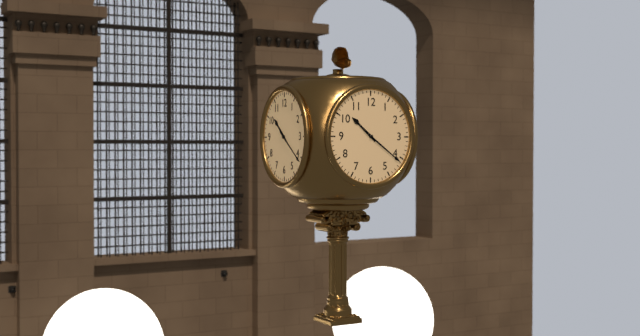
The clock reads 10 h 21 min
